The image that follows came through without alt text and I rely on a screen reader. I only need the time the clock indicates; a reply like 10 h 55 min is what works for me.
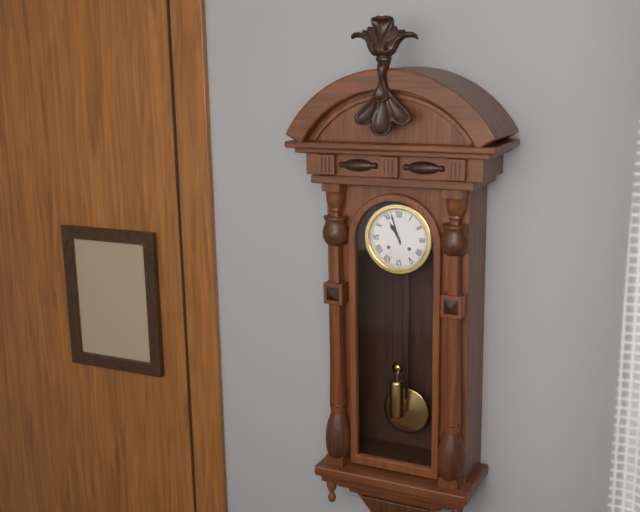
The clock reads 10 h 57 min
